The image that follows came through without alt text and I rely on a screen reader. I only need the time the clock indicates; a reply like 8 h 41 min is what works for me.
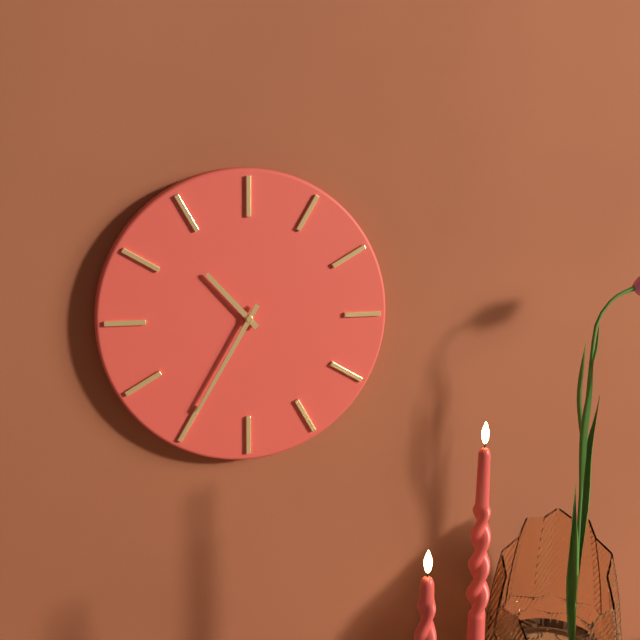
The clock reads 10 h 35 min
